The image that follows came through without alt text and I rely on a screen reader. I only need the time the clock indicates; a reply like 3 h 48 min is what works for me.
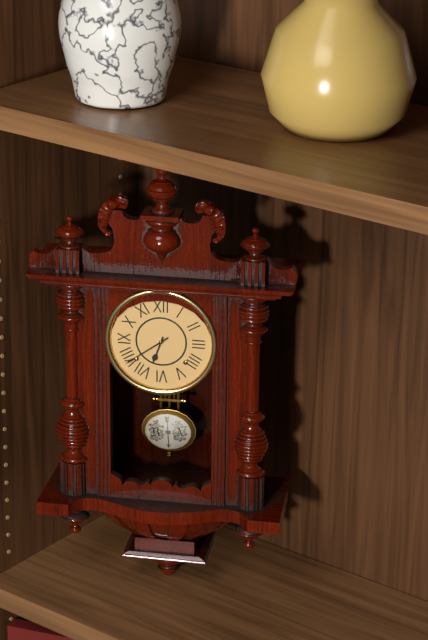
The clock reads 6 h 39 min
